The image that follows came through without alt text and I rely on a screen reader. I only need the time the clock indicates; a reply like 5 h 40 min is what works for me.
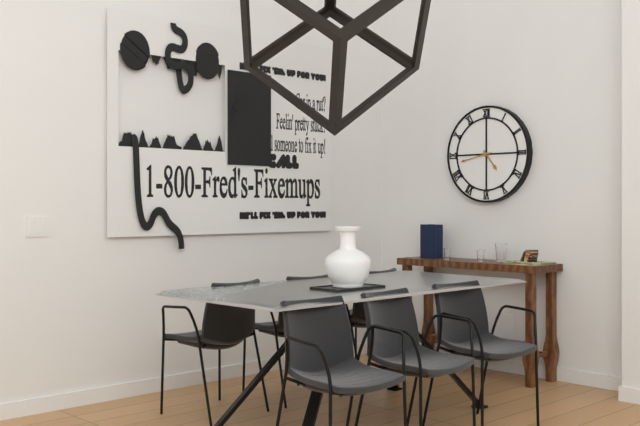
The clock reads 4 h 43 min
